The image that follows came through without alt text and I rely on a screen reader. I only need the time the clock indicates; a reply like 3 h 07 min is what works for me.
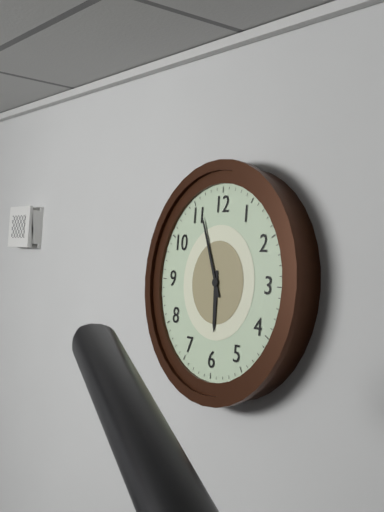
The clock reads 5 h 56 min
